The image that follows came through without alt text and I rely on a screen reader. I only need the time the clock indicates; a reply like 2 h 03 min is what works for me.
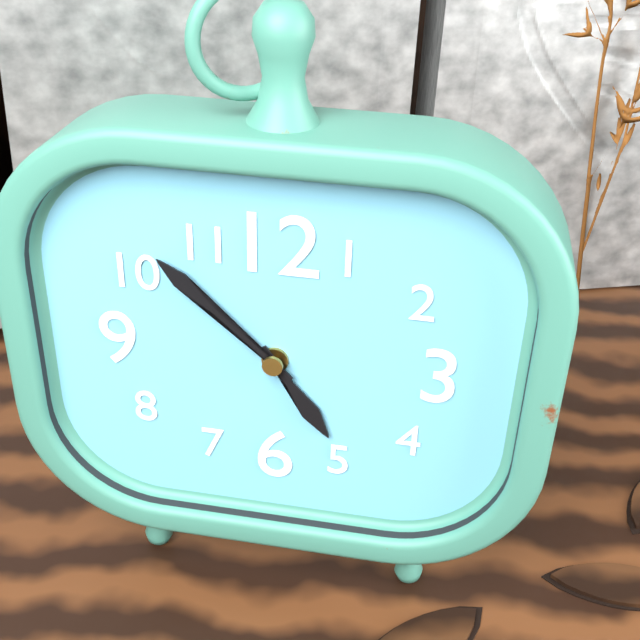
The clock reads 4 h 52 min
